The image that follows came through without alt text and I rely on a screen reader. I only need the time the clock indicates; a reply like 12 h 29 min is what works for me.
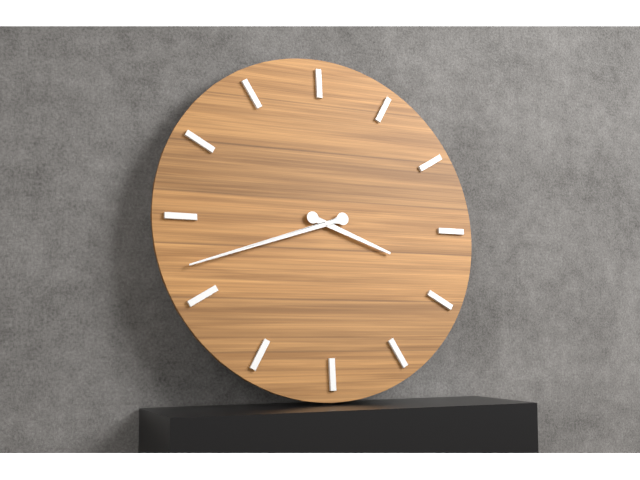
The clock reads 3 h 42 min
